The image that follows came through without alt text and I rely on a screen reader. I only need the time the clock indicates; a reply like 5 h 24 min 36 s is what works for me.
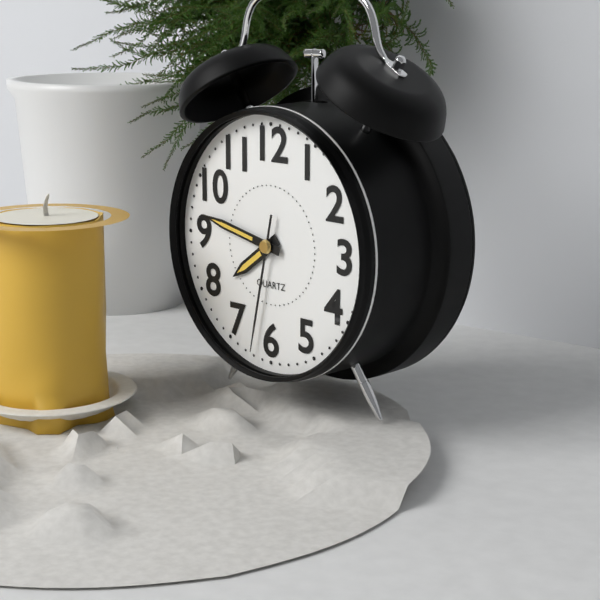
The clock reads 7 h 47 min 32 s
